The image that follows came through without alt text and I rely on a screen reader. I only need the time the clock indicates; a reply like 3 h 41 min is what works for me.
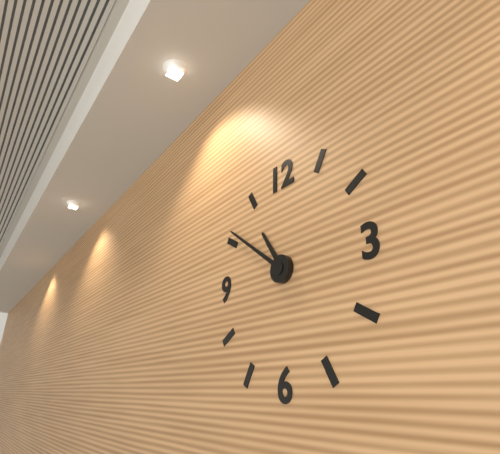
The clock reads 10 h 51 min
